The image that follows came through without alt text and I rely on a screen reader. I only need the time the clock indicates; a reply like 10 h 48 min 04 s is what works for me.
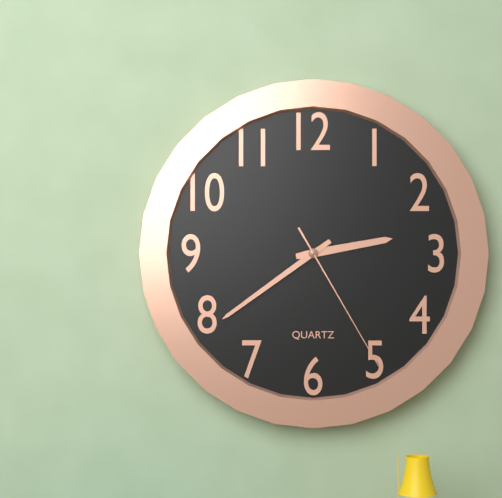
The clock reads 2 h 39 min 25 s
